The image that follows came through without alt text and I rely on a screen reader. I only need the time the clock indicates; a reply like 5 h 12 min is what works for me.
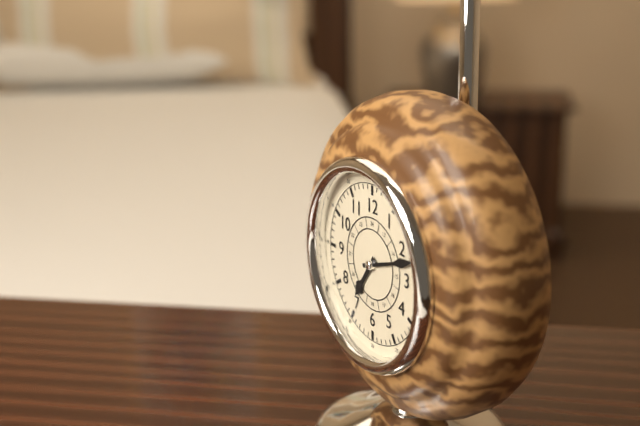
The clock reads 7 h 12 min
